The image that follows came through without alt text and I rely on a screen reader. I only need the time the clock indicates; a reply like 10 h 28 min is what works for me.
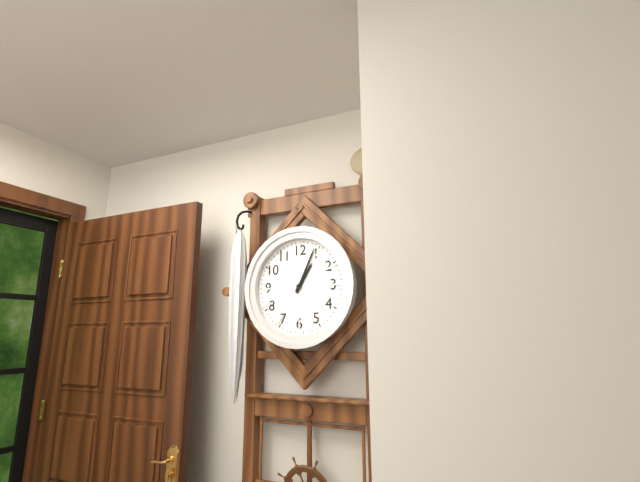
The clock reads 1 h 04 min
